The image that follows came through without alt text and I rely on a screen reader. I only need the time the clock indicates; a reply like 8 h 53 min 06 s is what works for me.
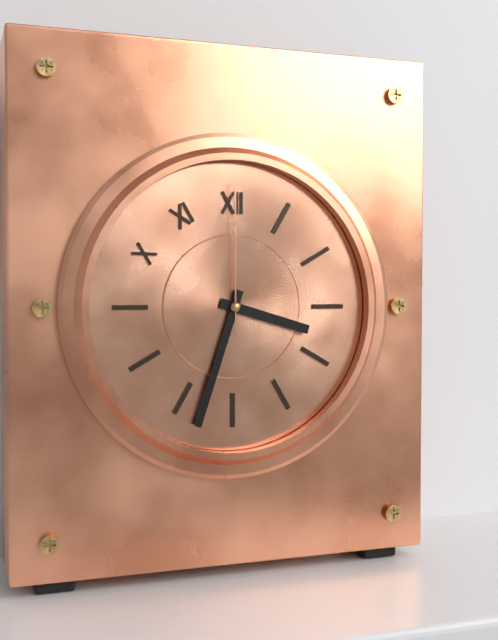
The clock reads 3 h 33 min 00 s
